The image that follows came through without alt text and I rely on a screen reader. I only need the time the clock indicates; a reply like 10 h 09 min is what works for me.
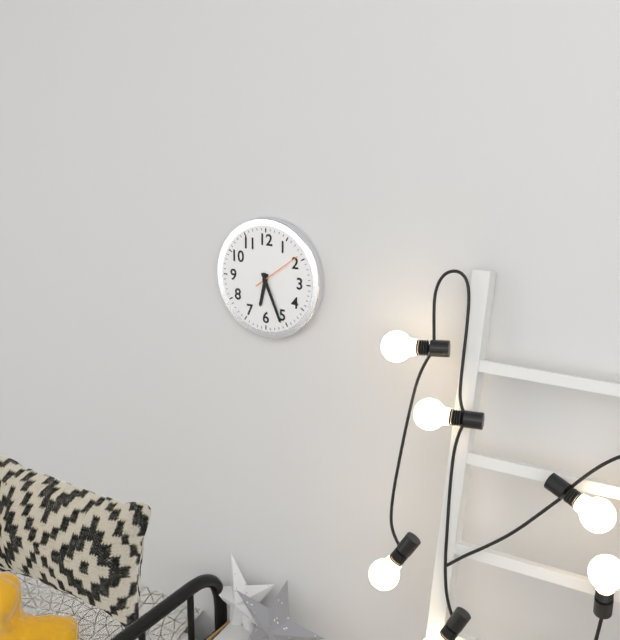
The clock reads 6 h 26 min
